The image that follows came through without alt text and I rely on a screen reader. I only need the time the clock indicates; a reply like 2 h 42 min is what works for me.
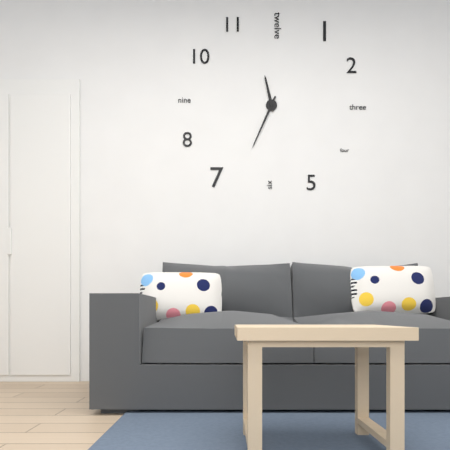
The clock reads 11 h 34 min
